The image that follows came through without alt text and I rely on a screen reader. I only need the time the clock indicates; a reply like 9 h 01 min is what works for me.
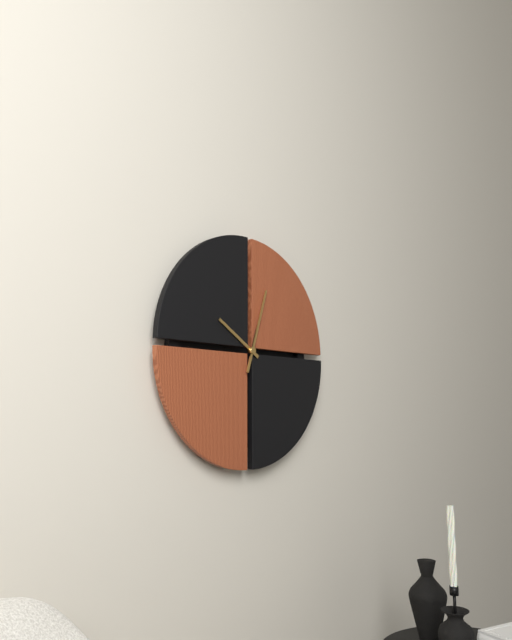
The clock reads 10 h 03 min
